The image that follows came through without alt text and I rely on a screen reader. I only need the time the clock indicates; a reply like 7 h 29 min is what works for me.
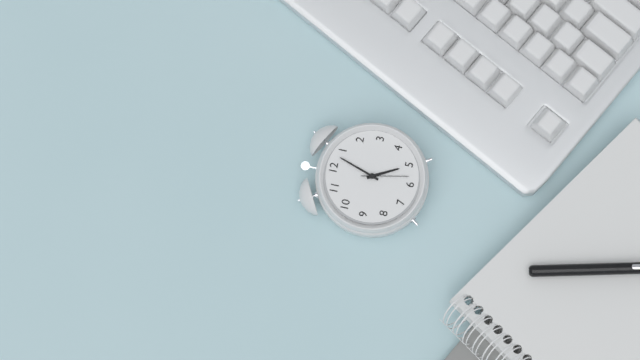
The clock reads 5 h 03 min
